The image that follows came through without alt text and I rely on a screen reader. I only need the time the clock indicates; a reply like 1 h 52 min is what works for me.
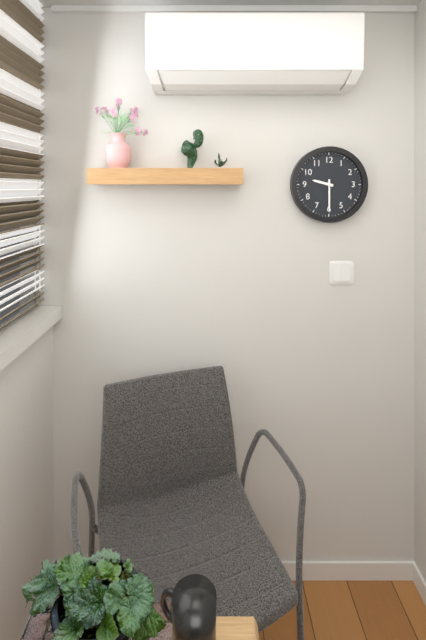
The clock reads 9 h 30 min
